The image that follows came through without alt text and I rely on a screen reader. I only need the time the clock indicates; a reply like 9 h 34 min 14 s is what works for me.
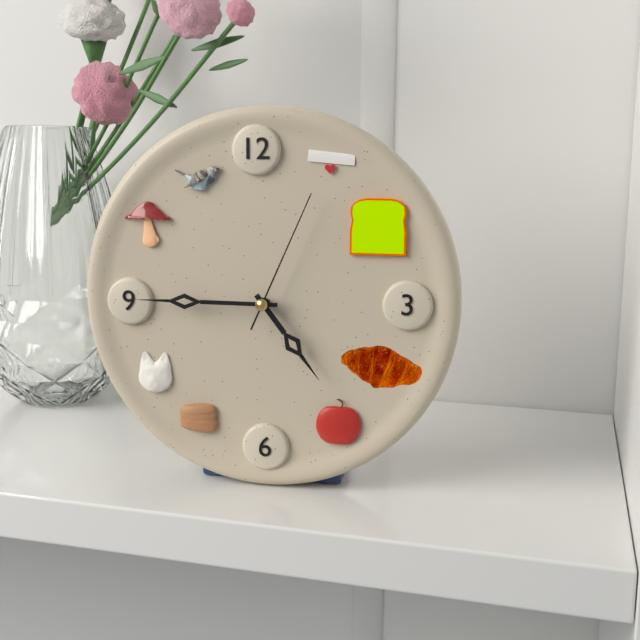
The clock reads 4 h 45 min 04 s
